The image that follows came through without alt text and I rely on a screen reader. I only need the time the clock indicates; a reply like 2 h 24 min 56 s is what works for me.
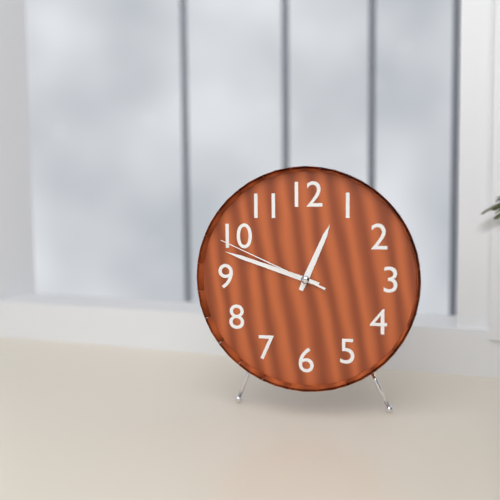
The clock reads 12 h 48 min 49 s
